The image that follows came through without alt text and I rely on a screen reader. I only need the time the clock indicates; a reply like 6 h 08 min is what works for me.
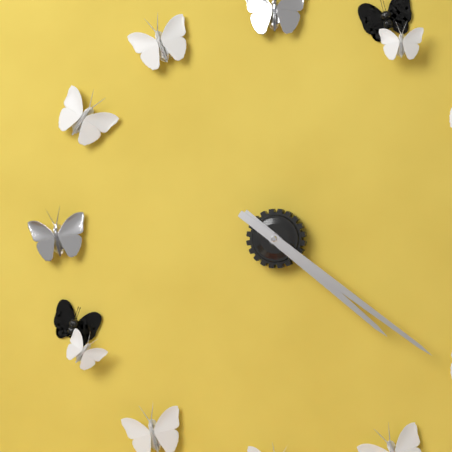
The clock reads 4 h 21 min
